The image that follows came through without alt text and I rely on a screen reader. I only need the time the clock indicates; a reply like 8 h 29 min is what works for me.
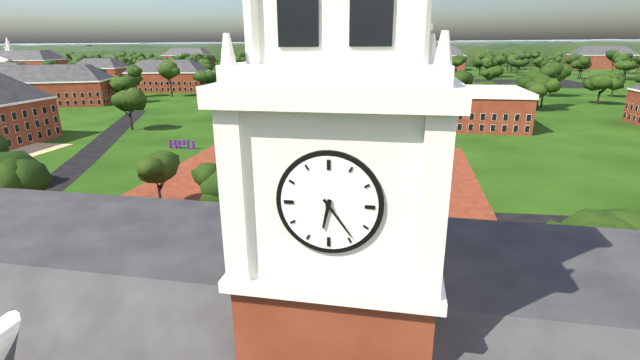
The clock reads 6 h 24 min
